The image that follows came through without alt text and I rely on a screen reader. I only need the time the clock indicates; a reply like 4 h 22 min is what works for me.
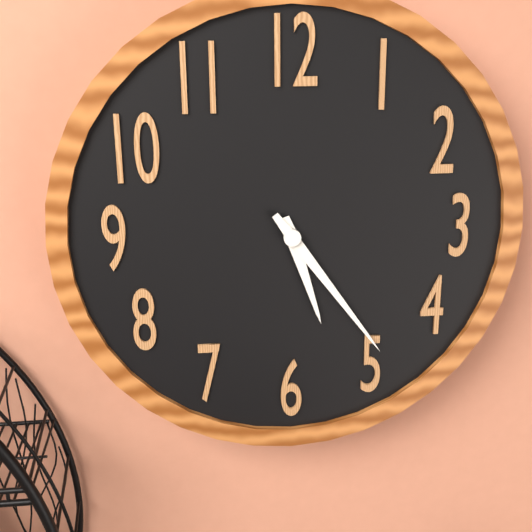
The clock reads 5 h 24 min
